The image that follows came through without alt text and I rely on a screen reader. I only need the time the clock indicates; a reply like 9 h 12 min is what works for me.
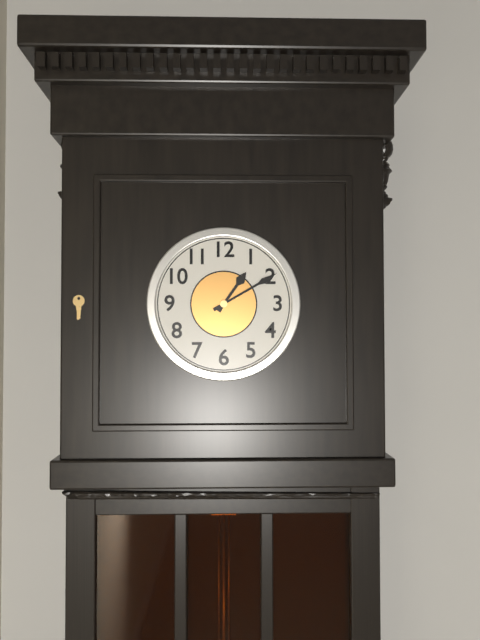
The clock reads 1 h 10 min
